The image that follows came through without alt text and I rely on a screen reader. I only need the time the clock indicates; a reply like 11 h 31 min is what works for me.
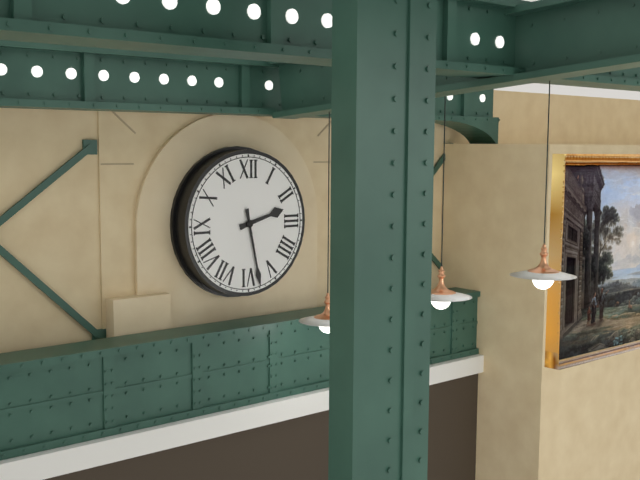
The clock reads 2 h 28 min
